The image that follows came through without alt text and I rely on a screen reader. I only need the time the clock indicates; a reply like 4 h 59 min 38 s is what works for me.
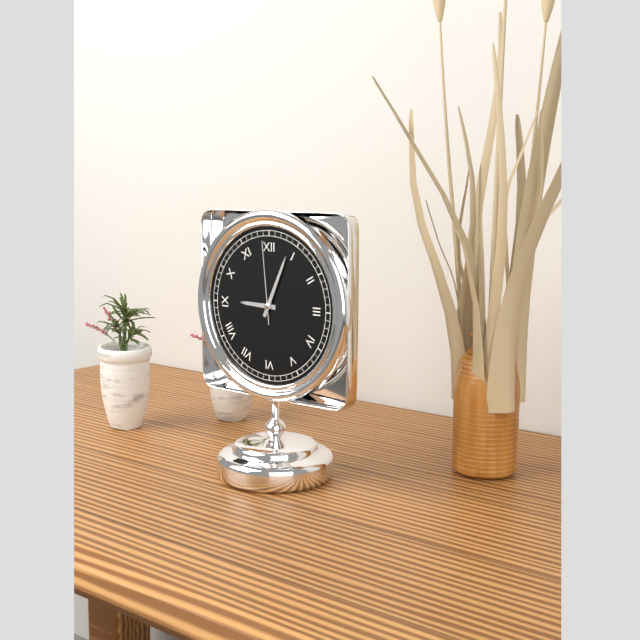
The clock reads 9 h 04 min 59 s
